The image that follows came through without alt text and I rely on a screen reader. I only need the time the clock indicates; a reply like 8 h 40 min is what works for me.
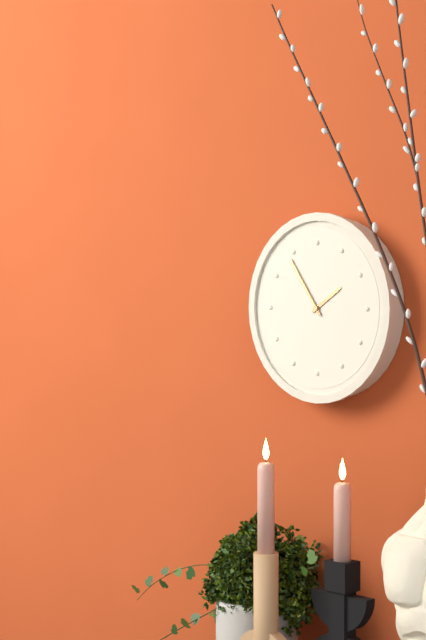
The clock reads 1 h 54 min
